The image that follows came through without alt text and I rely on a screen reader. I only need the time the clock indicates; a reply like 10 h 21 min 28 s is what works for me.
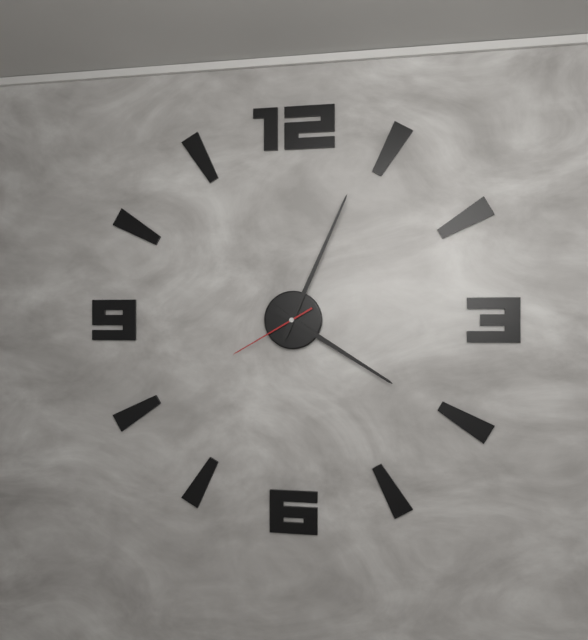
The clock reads 4 h 04 min 40 s
